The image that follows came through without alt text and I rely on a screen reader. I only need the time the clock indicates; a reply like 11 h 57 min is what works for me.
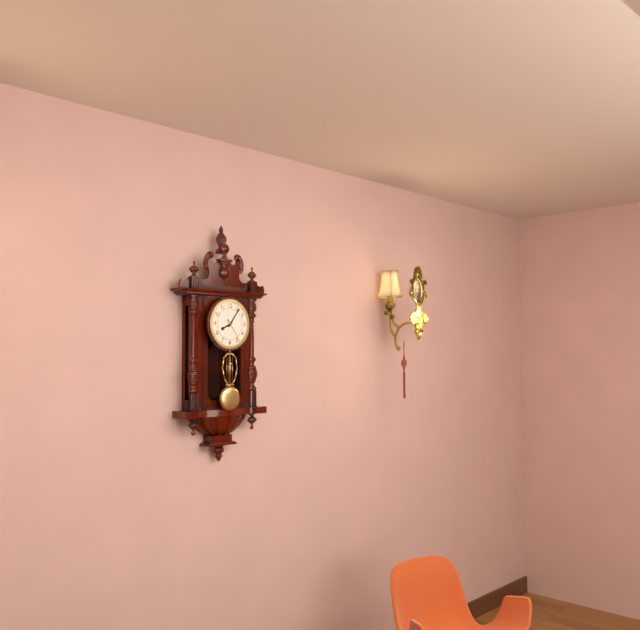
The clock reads 8 h 06 min
